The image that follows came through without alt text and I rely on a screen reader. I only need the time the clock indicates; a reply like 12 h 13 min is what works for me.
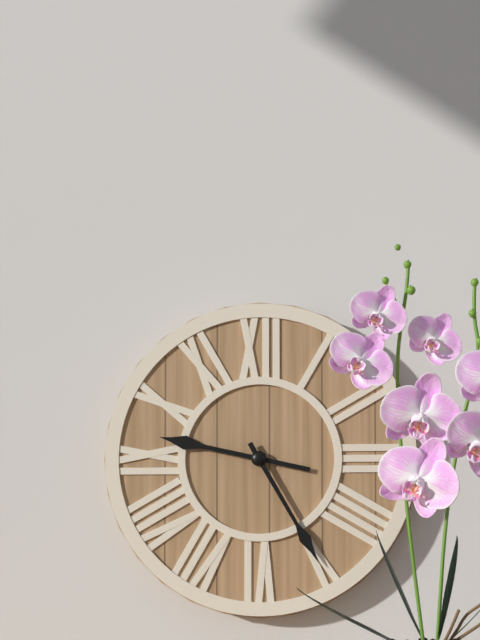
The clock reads 9 h 25 min
